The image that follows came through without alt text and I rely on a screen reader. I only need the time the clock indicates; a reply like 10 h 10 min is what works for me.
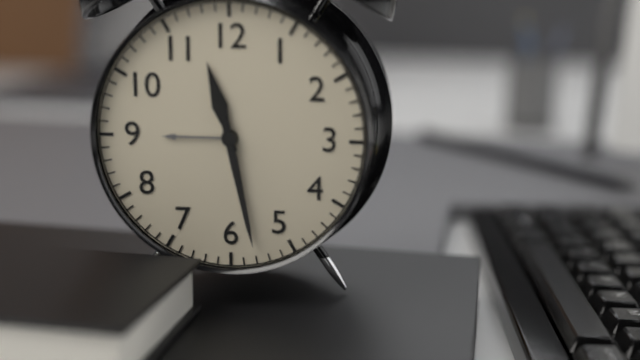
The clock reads 11 h 28 min
